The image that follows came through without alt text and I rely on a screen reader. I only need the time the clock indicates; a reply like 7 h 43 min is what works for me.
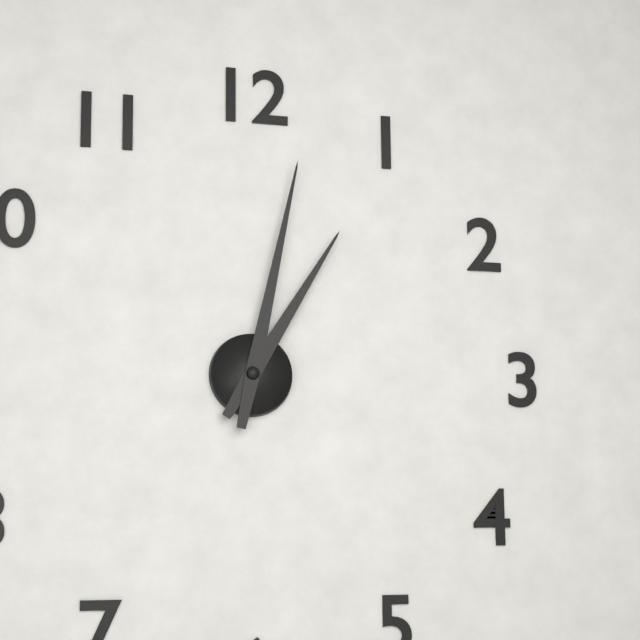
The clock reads 1 h 02 min
